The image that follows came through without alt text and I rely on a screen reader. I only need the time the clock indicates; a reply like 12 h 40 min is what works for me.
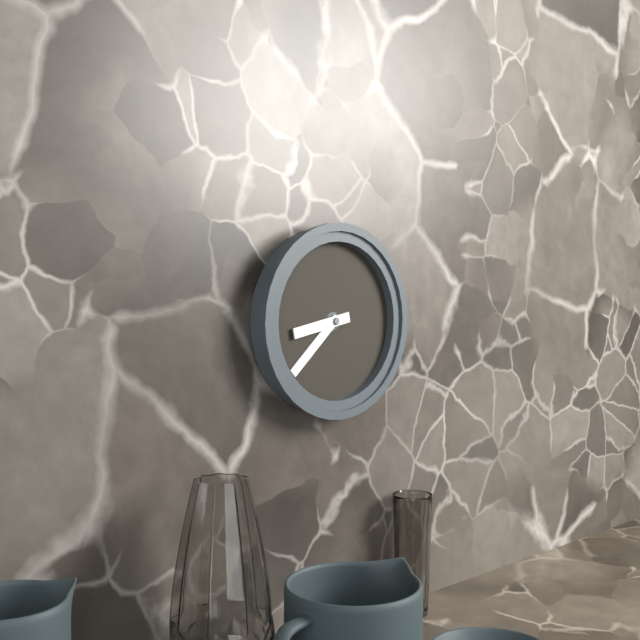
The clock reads 8 h 38 min
